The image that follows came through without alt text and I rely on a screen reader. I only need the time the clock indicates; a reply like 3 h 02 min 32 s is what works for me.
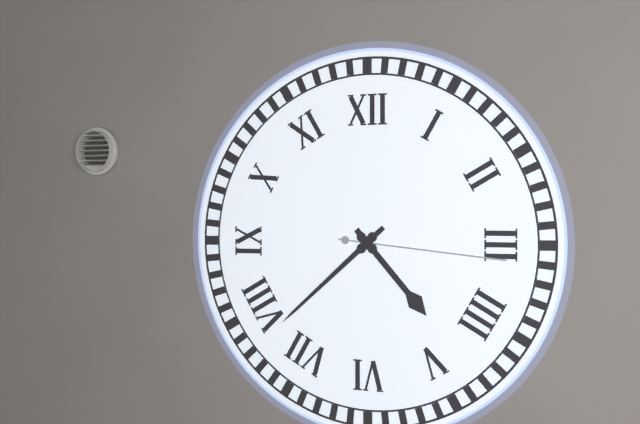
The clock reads 4 h 38 min 16 s
